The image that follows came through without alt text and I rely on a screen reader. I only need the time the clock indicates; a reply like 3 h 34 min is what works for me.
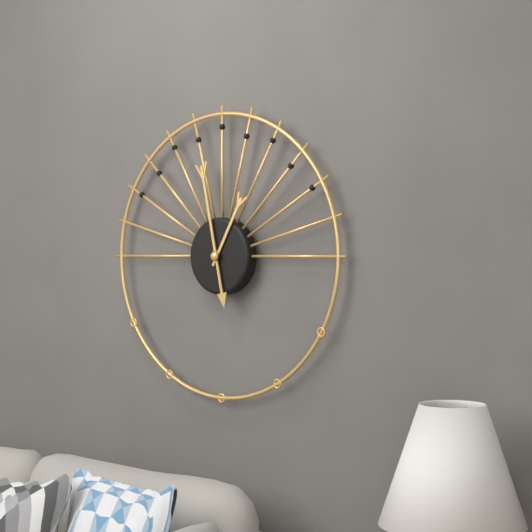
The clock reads 12 h 58 min
